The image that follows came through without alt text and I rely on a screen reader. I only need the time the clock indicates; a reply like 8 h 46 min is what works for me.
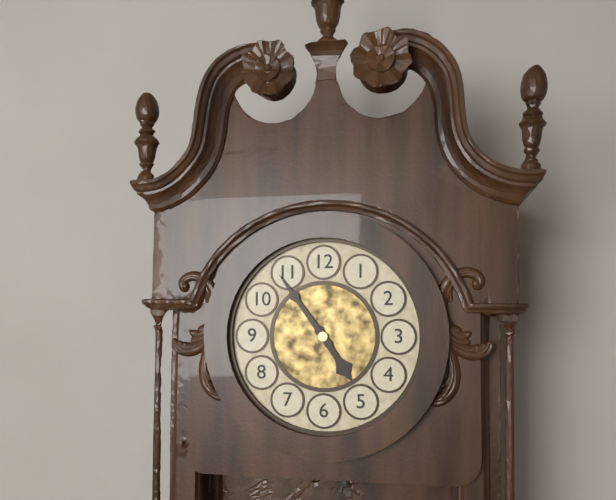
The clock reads 4 h 54 min
